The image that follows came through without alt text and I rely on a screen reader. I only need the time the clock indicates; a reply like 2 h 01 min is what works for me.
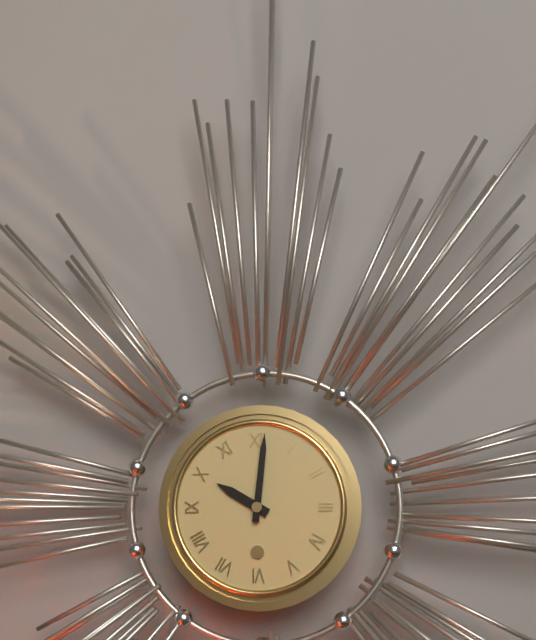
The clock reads 10 h 01 min
